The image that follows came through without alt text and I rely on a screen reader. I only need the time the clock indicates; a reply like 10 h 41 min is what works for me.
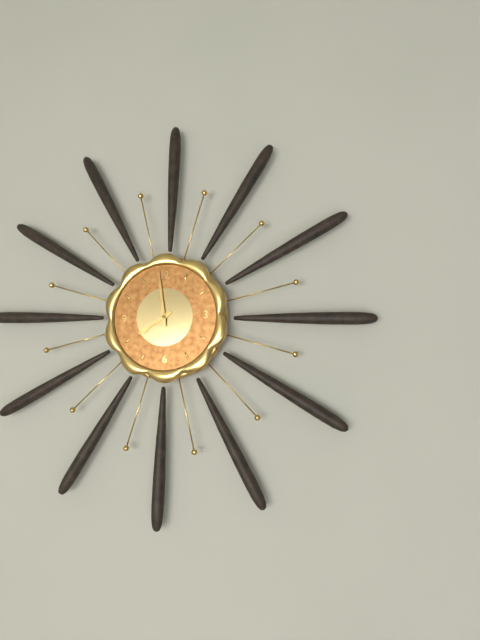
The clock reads 7 h 59 min
